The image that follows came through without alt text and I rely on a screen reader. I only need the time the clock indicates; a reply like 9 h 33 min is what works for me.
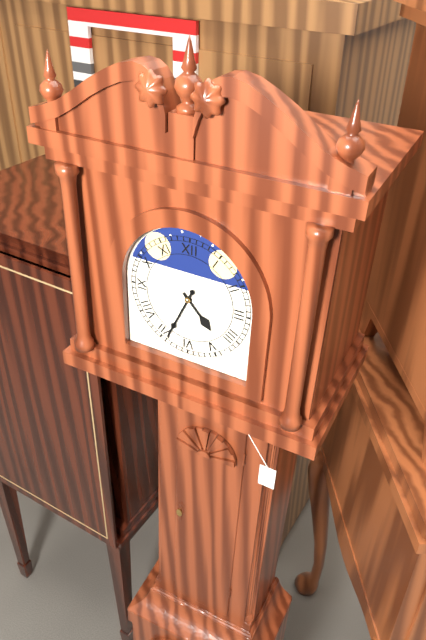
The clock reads 4 h 34 min
